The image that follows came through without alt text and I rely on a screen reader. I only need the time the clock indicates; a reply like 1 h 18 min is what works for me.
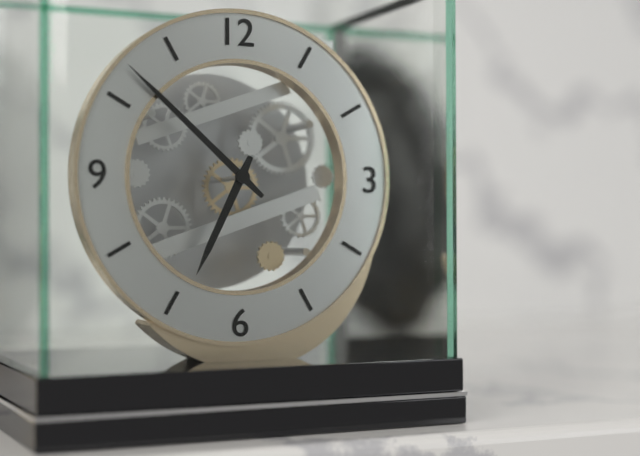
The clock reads 6 h 52 min
